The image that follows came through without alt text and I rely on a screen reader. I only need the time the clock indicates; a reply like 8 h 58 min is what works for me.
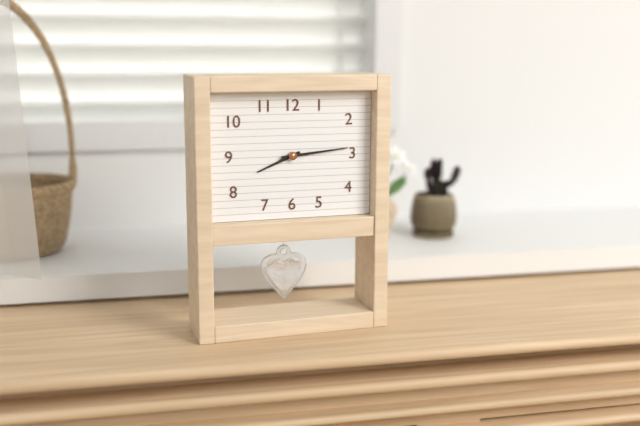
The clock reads 8 h 14 min
